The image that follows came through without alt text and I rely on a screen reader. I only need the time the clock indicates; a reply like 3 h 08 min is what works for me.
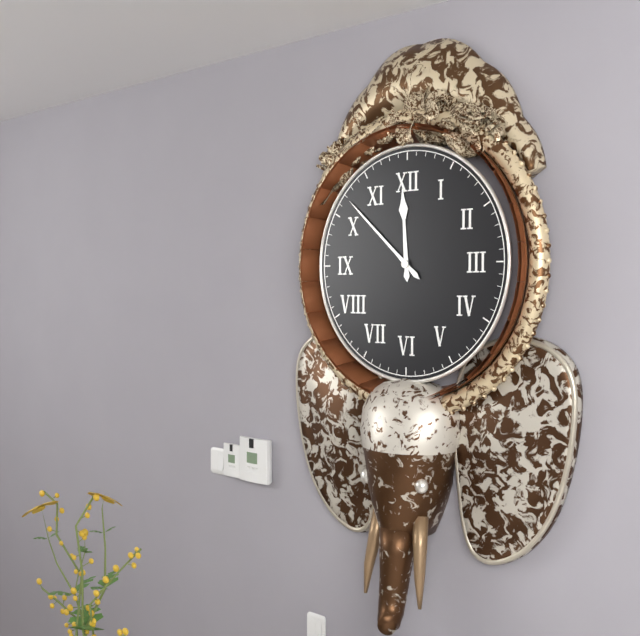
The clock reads 11 h 52 min
